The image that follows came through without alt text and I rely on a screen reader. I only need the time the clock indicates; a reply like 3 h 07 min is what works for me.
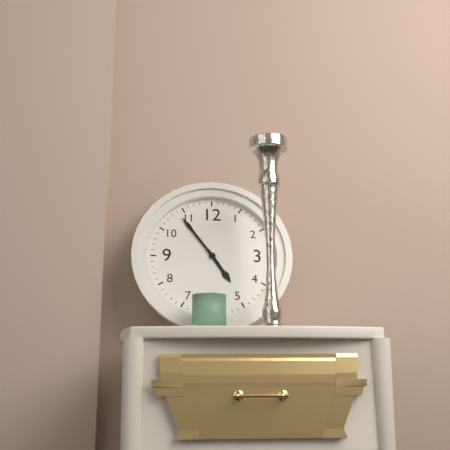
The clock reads 4 h 54 min
